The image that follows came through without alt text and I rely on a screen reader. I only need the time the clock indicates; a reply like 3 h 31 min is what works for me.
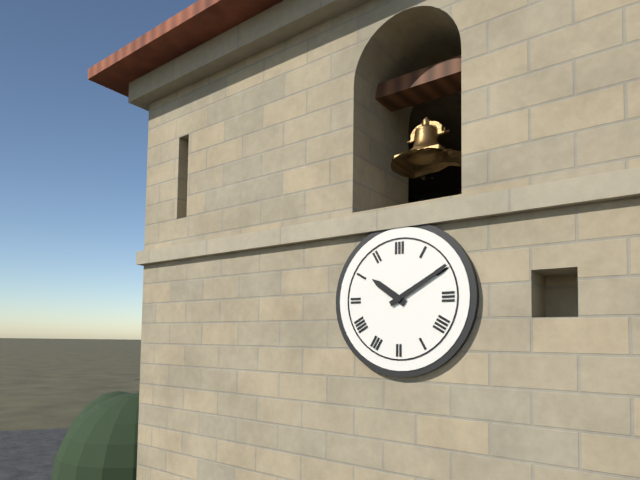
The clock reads 10 h 10 min
